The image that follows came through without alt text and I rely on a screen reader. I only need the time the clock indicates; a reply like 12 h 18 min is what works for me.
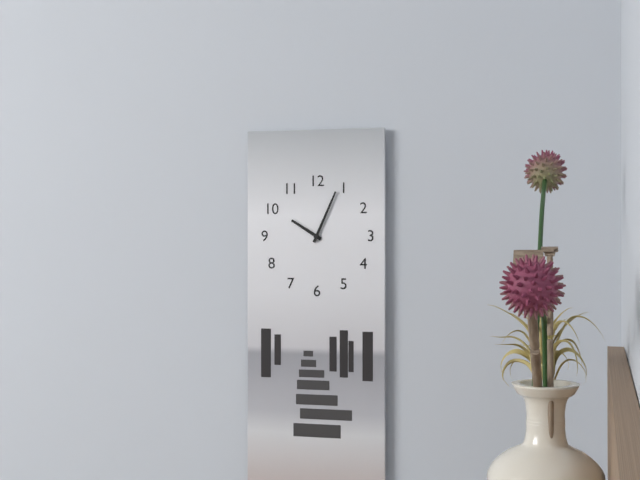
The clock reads 10 h 04 min
